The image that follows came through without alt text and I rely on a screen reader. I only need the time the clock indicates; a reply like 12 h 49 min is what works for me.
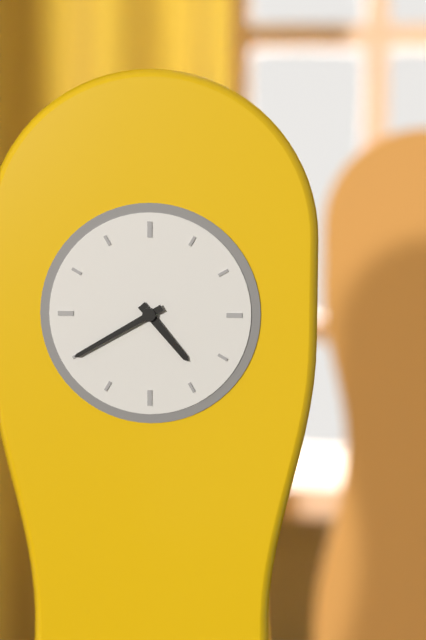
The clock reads 4 h 40 min
